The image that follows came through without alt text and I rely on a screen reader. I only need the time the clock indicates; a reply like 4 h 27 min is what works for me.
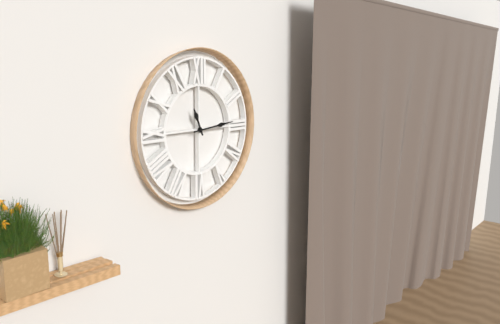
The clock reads 11 h 14 min
